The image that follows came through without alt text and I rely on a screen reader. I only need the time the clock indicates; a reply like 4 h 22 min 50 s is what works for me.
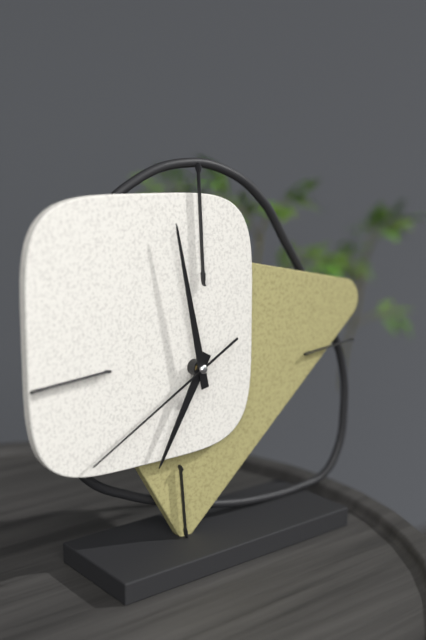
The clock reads 6 h 58 min 40 s
